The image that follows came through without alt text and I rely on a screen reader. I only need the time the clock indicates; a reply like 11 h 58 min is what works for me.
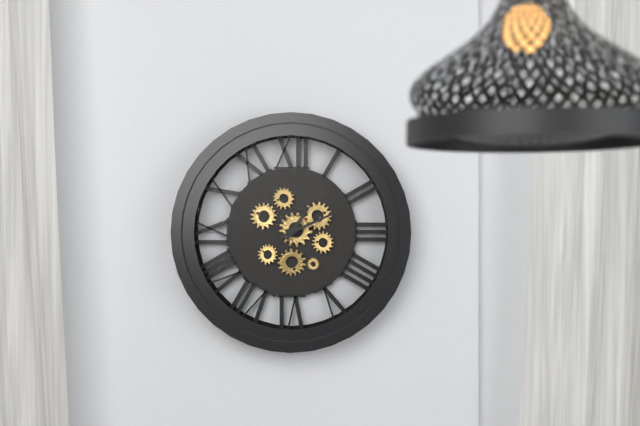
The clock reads 1 h 11 min
